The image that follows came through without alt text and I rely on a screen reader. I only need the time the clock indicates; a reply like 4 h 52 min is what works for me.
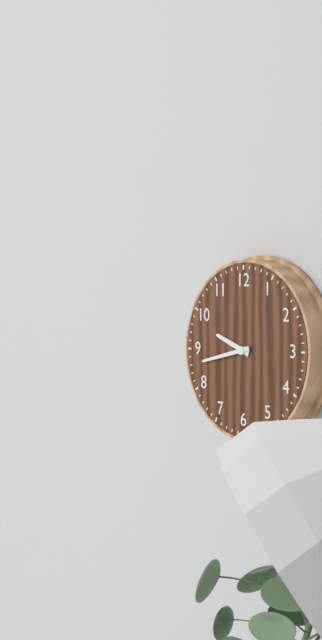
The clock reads 9 h 43 min
